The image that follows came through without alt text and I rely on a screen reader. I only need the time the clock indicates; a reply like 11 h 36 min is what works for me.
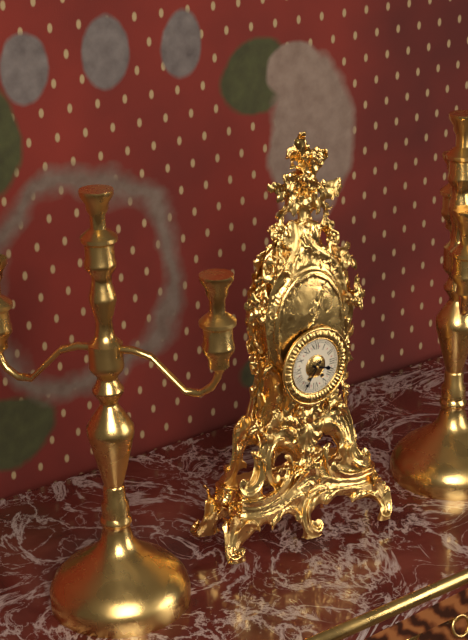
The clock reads 3 h 36 min
